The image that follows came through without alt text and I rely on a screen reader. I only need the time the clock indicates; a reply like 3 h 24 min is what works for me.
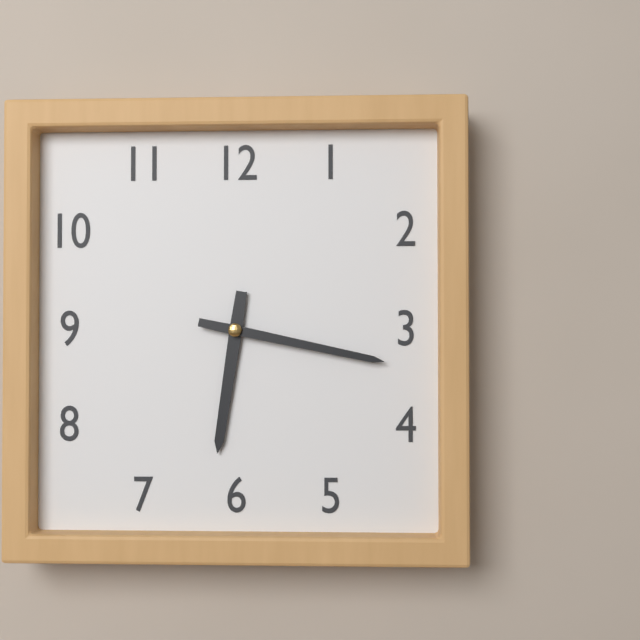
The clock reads 6 h 17 min
